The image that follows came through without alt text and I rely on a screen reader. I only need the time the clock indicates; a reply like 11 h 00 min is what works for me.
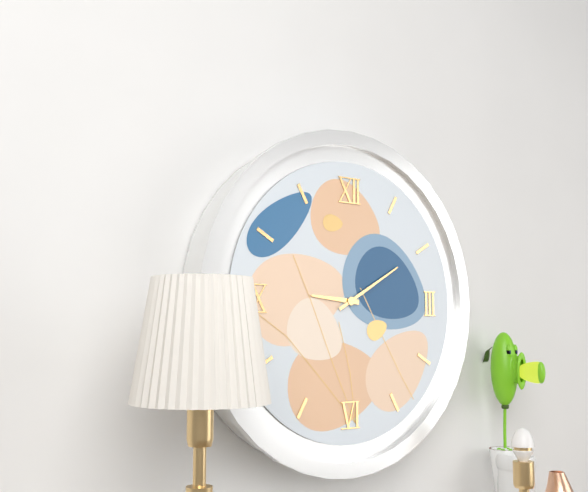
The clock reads 9 h 10 min
